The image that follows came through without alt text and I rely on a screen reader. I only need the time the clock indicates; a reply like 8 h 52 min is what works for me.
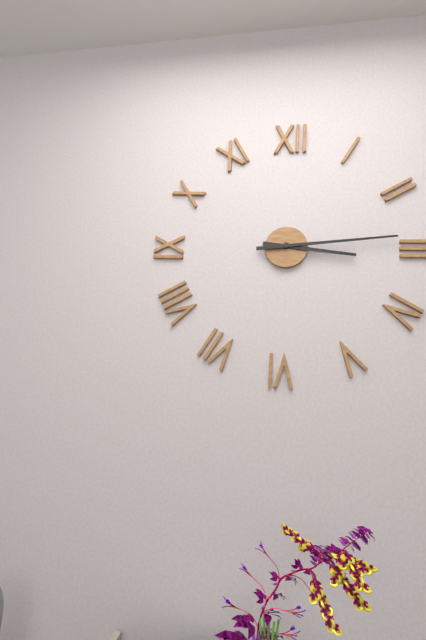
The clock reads 3 h 14 min
